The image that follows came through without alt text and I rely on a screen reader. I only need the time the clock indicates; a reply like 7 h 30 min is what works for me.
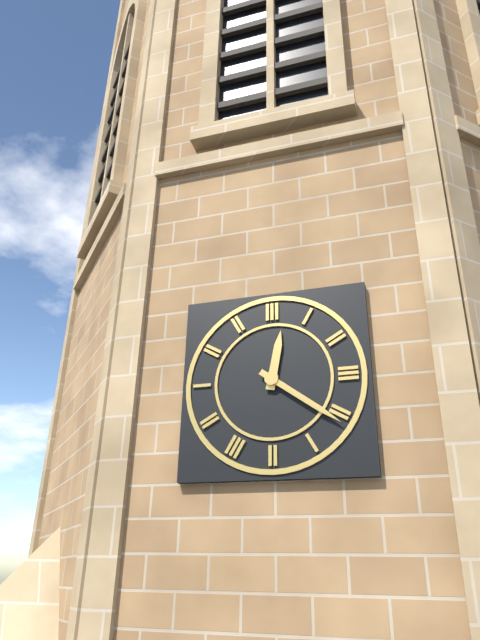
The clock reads 12 h 21 min
